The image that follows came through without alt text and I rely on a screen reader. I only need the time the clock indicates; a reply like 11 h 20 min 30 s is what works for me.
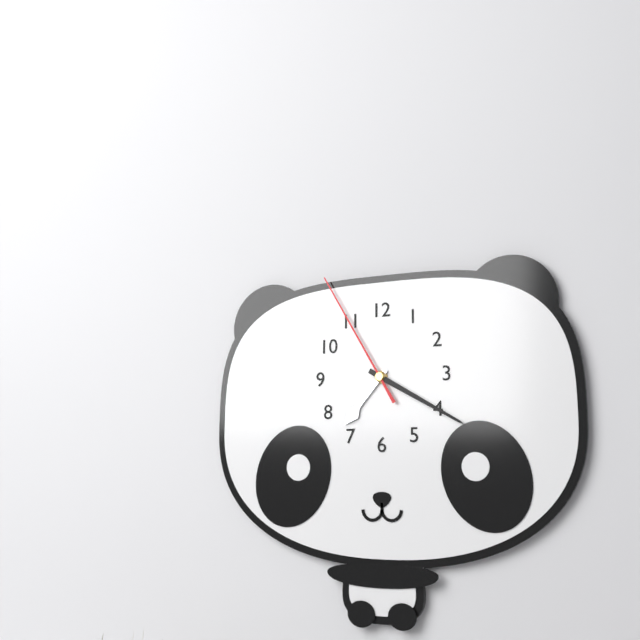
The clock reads 7 h 20 min 55 s
